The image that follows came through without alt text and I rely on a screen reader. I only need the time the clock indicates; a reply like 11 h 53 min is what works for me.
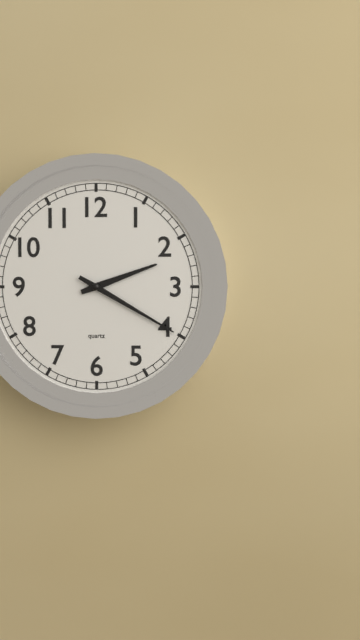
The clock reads 2 h 20 min
